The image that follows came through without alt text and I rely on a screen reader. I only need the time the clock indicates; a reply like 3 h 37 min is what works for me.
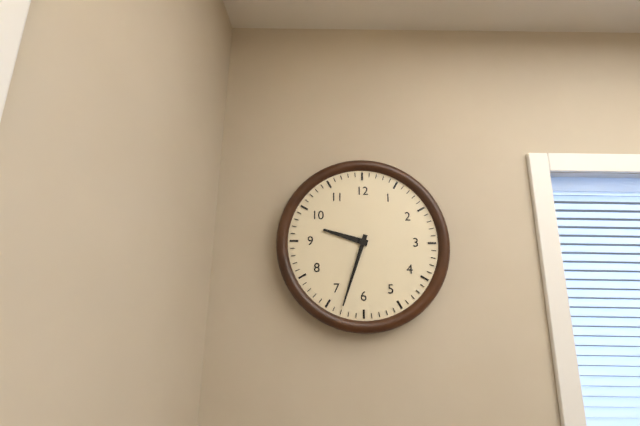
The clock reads 9 h 33 min
